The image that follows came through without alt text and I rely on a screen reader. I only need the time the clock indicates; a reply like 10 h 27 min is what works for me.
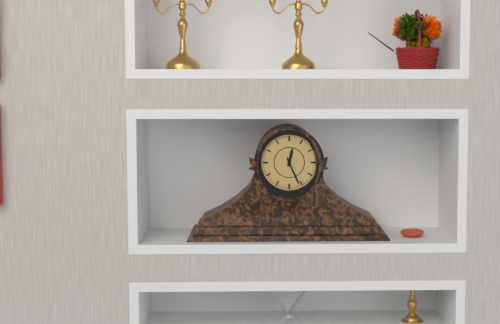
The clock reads 12 h 26 min
